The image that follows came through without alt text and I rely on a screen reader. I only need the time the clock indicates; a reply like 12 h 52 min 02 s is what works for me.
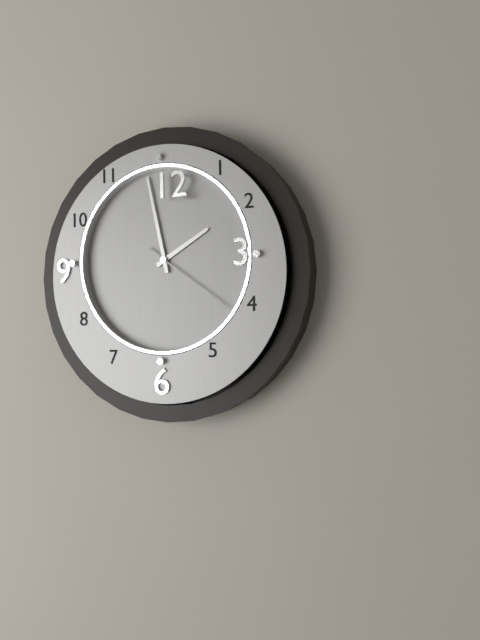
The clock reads 1 h 58 min 21 s
